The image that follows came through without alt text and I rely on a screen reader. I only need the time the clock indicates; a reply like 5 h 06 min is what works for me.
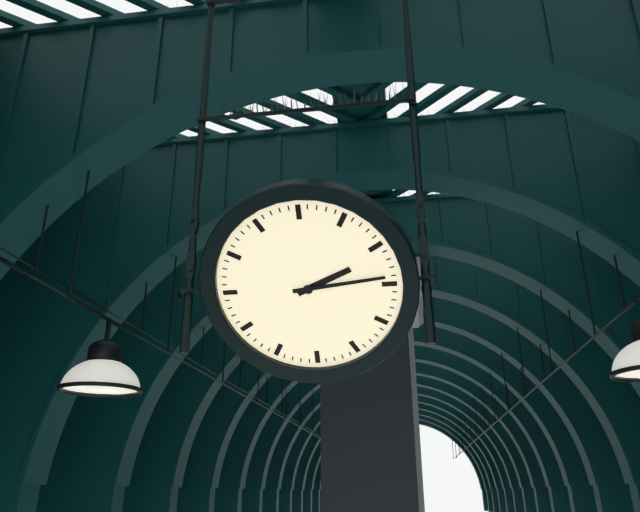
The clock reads 2 h 14 min
